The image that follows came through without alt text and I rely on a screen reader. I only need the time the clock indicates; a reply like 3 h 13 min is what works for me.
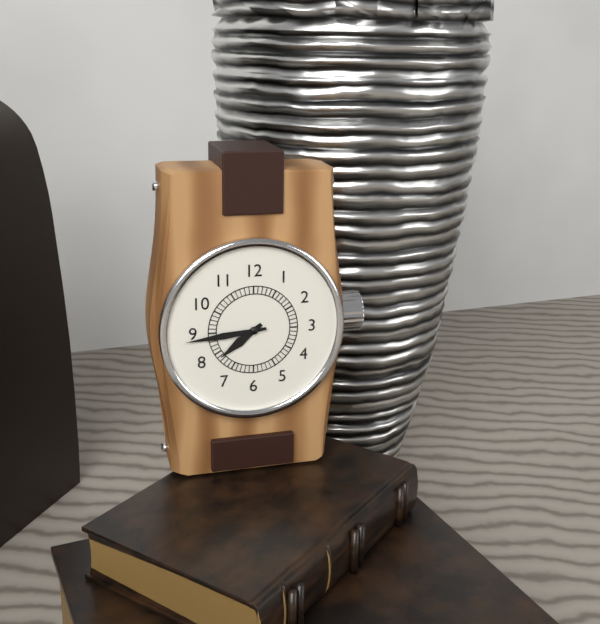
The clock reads 7 h 44 min
